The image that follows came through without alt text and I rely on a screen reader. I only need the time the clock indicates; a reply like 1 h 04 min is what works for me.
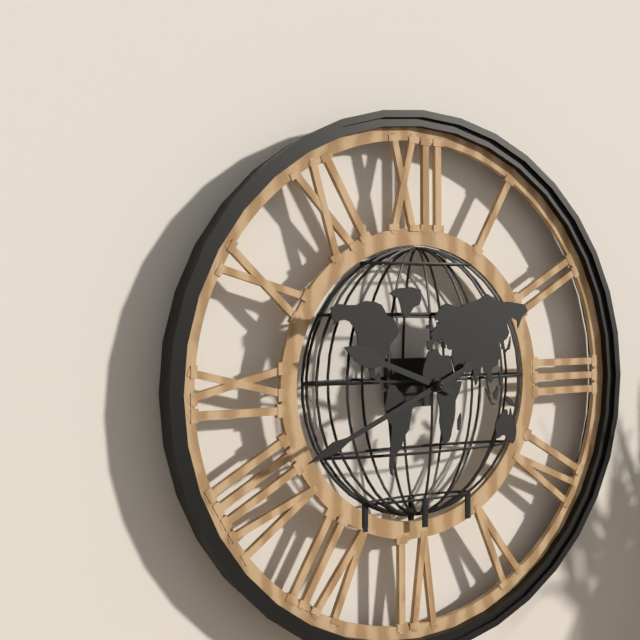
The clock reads 9 h 41 min
